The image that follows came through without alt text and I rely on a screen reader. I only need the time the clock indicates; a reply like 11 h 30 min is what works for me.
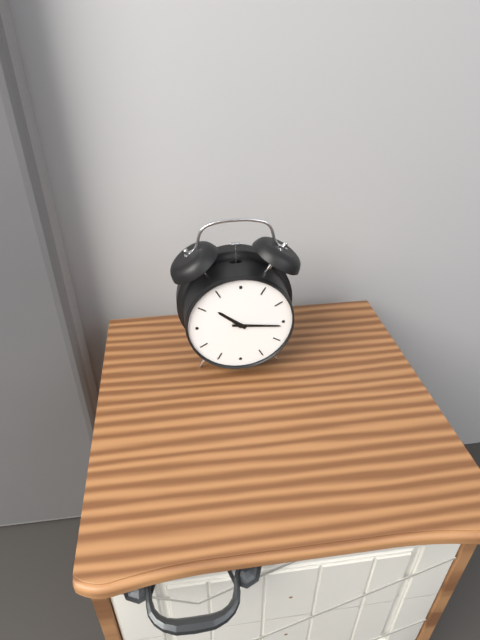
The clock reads 10 h 16 min
